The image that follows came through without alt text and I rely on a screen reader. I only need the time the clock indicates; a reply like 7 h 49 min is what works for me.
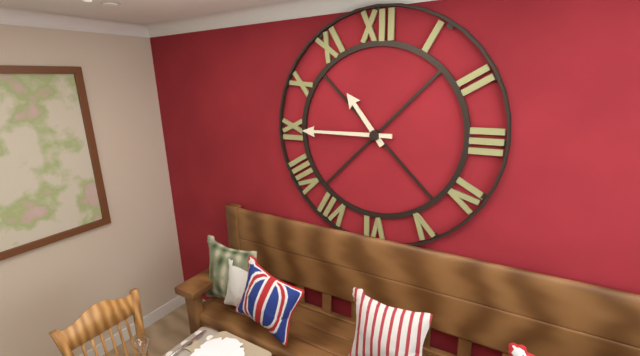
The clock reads 10 h 45 min
